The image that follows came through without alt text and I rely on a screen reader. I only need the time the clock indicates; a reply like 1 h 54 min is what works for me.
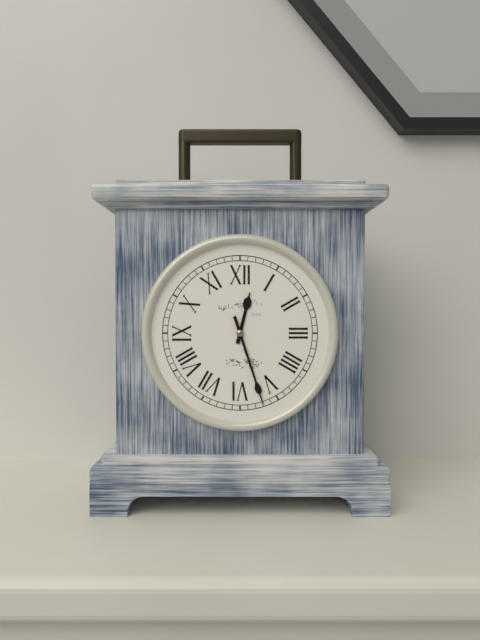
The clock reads 12 h 27 min
